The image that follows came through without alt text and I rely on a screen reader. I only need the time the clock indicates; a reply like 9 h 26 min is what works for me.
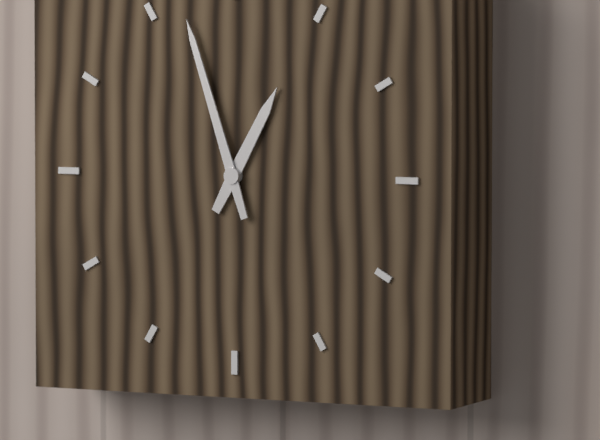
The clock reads 12 h 57 min
